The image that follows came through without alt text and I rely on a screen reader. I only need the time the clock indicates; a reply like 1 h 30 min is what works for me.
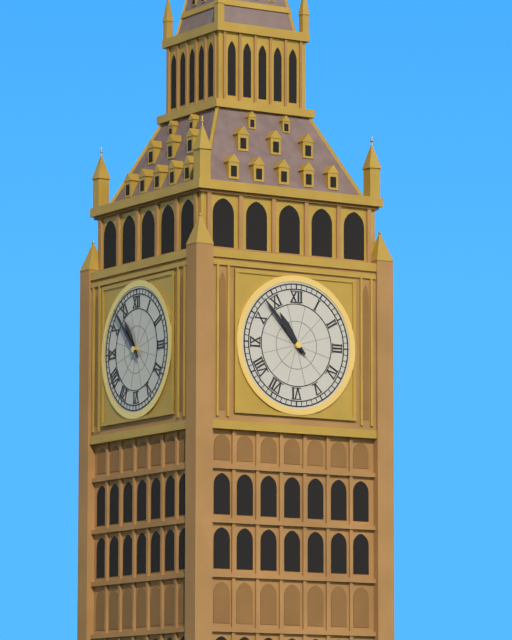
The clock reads 10 h 53 min
